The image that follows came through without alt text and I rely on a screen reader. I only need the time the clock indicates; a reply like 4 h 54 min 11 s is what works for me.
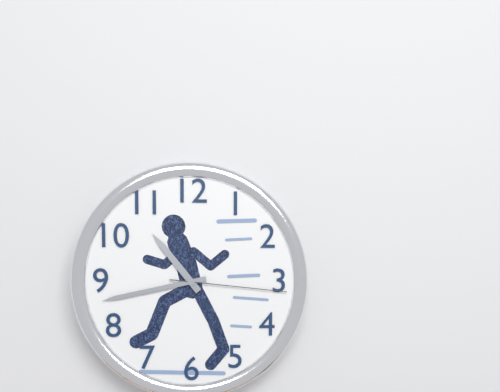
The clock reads 10 h 43 min 16 s
